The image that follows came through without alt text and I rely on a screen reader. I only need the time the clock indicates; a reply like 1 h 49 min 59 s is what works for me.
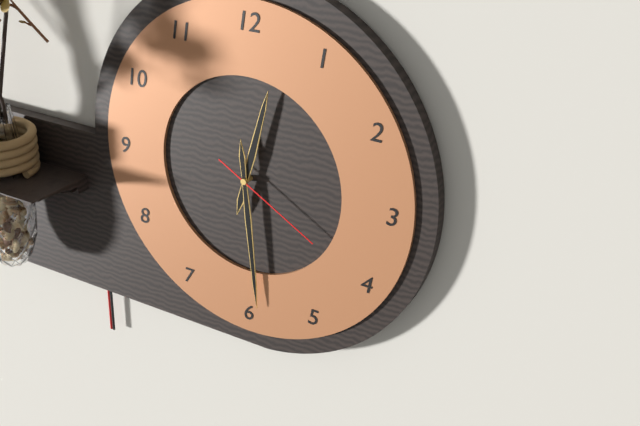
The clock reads 12 h 29 min 20 s
